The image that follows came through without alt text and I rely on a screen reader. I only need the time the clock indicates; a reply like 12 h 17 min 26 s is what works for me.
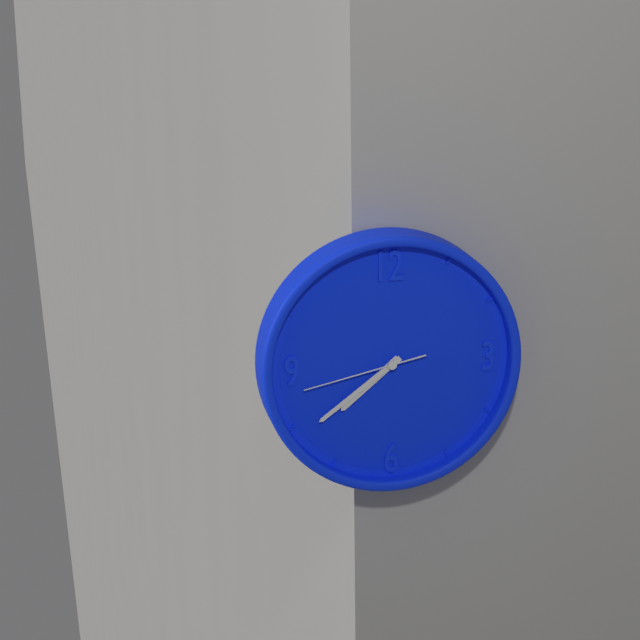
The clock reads 7 h 39 min 43 s
